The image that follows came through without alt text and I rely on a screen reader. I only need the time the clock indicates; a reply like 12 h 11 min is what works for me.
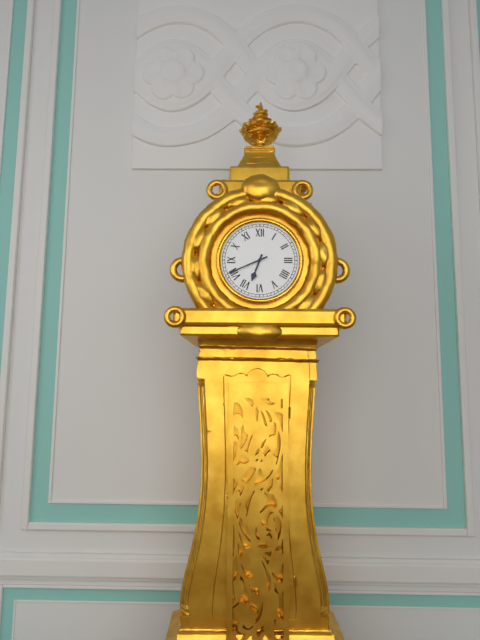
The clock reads 6 h 41 min
